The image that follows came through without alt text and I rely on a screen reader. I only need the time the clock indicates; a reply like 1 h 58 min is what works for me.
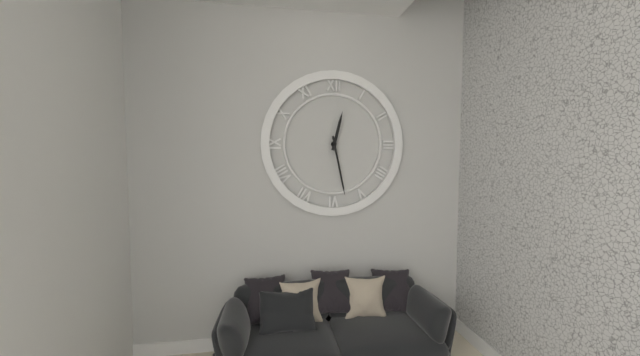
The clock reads 12 h 28 min
